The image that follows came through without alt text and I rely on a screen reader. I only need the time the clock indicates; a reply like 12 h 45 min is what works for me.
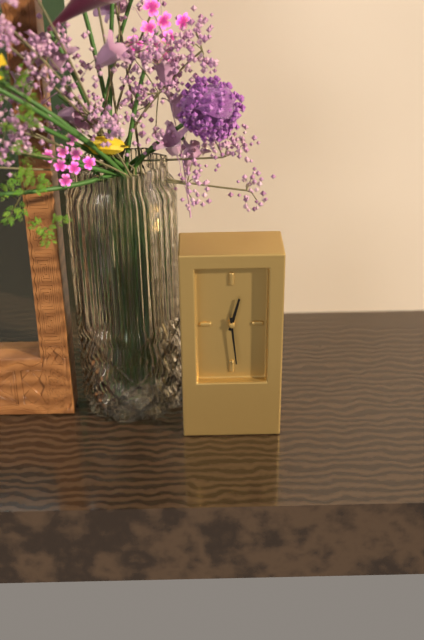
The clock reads 12 h 29 min
